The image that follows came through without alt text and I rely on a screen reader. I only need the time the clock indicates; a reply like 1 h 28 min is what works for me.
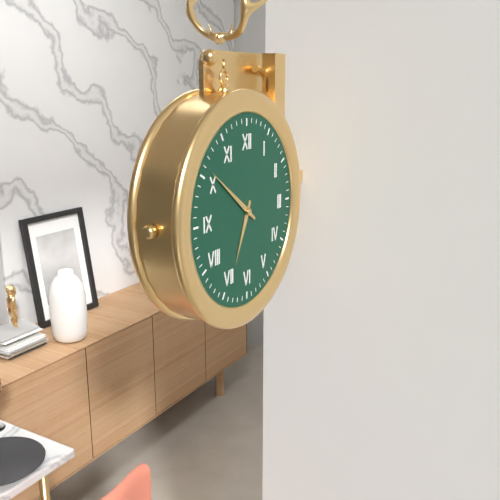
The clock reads 6 h 51 min
